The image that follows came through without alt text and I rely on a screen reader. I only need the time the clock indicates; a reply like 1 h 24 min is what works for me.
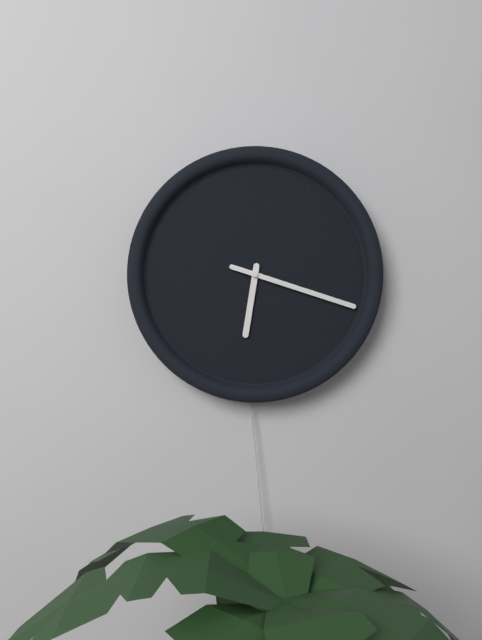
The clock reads 6 h 18 min
